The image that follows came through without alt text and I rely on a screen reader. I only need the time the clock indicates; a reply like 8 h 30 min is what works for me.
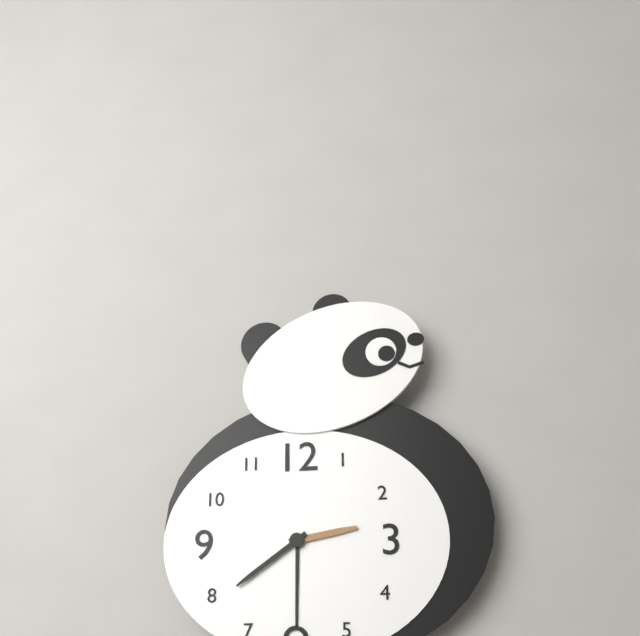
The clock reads 2 h 39 min
